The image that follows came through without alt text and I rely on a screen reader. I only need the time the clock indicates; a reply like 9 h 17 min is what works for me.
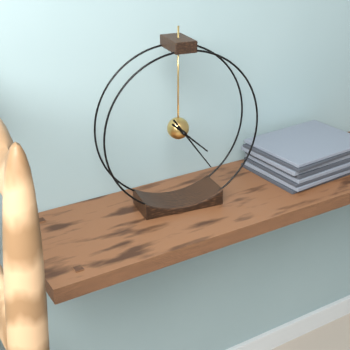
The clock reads 4 h 24 min
